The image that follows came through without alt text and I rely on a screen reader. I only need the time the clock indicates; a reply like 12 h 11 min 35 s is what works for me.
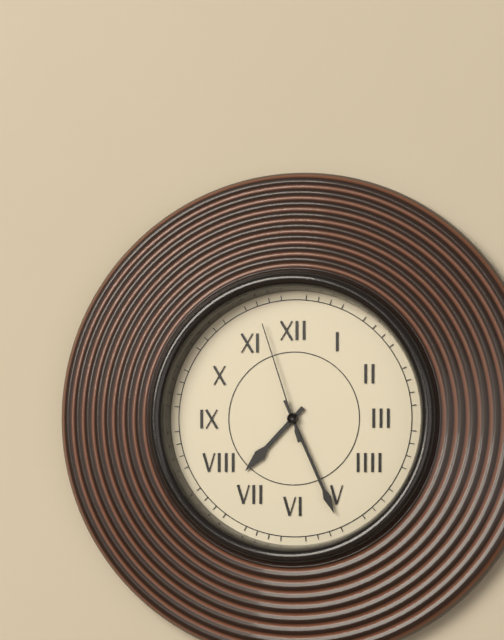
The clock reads 7 h 26 min 57 s
